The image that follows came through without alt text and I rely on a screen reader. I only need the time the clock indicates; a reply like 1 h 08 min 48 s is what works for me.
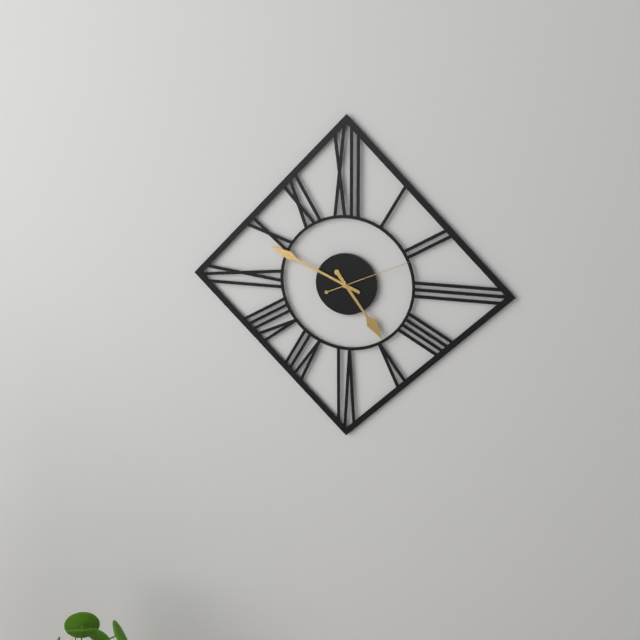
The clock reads 4 h 49 min 11 s
